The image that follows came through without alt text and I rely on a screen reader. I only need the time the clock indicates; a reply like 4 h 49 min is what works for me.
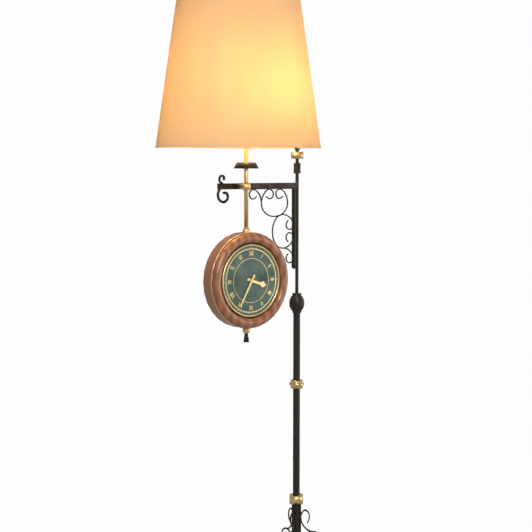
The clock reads 3 h 35 min
